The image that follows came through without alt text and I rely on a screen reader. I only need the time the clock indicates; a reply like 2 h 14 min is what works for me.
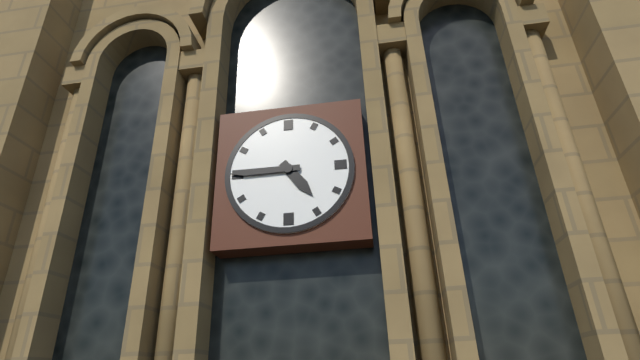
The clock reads 4 h 45 min
